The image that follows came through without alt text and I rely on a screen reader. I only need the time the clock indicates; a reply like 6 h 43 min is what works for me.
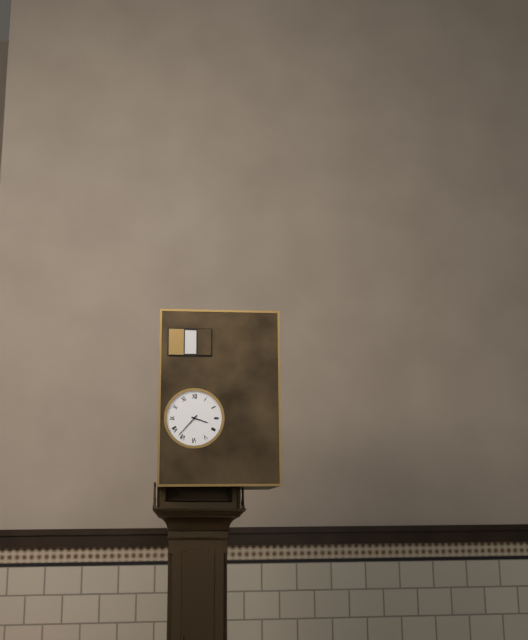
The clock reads 3 h 37 min
